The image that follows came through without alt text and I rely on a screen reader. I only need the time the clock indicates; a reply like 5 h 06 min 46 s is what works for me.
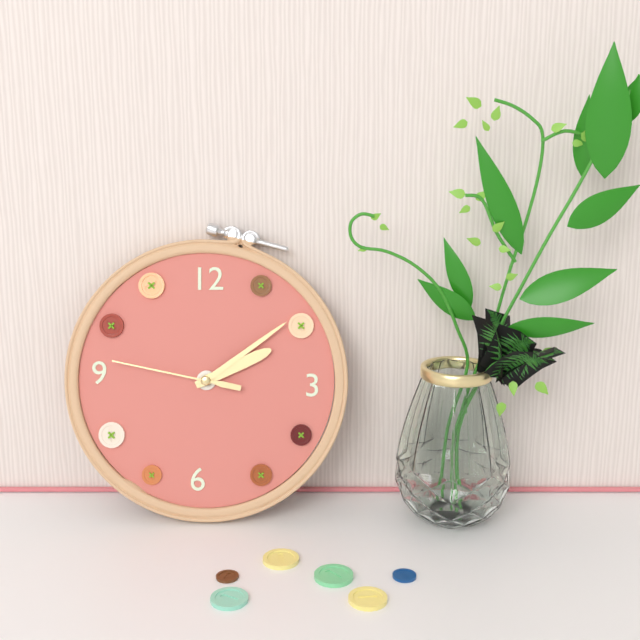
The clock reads 2 h 09 min 47 s
